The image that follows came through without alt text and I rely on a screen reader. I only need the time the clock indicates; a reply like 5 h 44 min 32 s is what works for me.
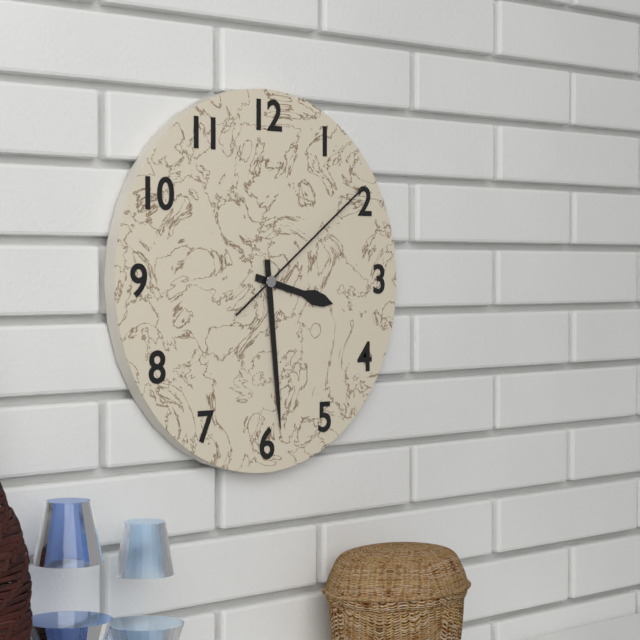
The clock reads 3 h 29 min 09 s
